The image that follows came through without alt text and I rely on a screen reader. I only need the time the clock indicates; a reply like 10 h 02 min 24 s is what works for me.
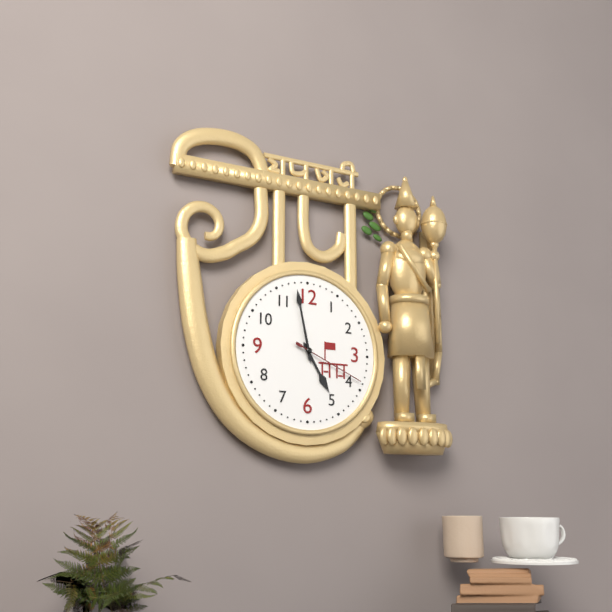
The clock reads 4 h 58 min 19 s
